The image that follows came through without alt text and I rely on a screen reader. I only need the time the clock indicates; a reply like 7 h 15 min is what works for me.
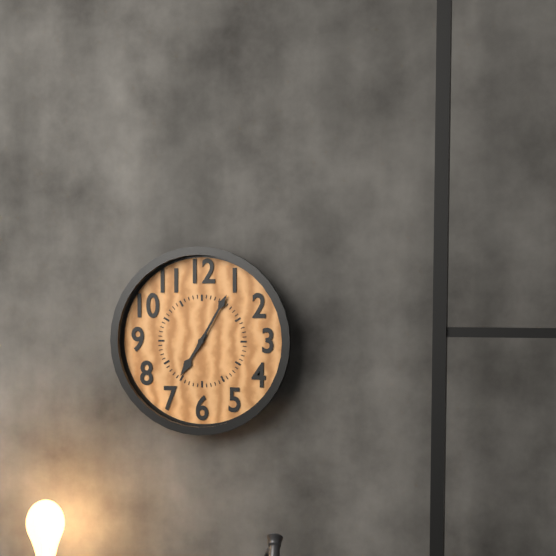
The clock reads 7 h 05 min
